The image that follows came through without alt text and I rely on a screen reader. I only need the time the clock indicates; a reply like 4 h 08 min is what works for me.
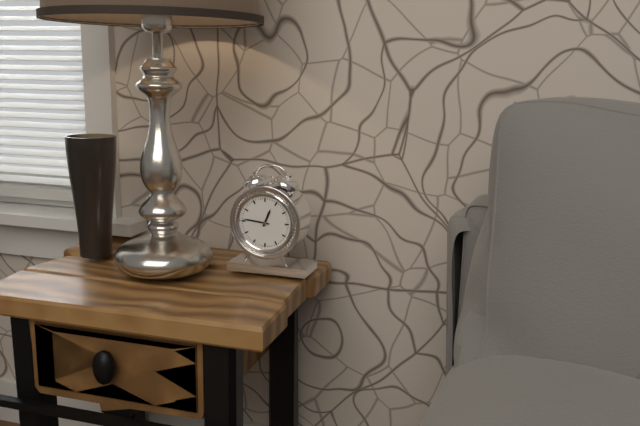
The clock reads 12 h 46 min
